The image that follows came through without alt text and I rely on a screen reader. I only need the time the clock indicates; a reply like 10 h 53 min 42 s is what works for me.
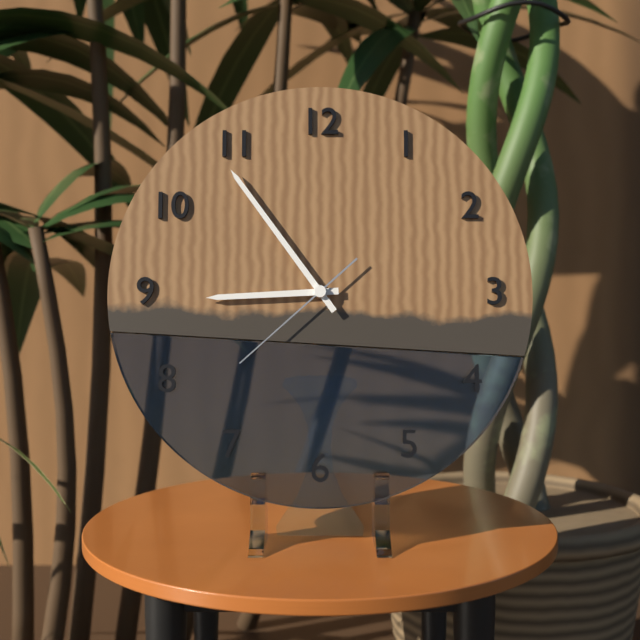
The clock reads 8 h 54 min 38 s
